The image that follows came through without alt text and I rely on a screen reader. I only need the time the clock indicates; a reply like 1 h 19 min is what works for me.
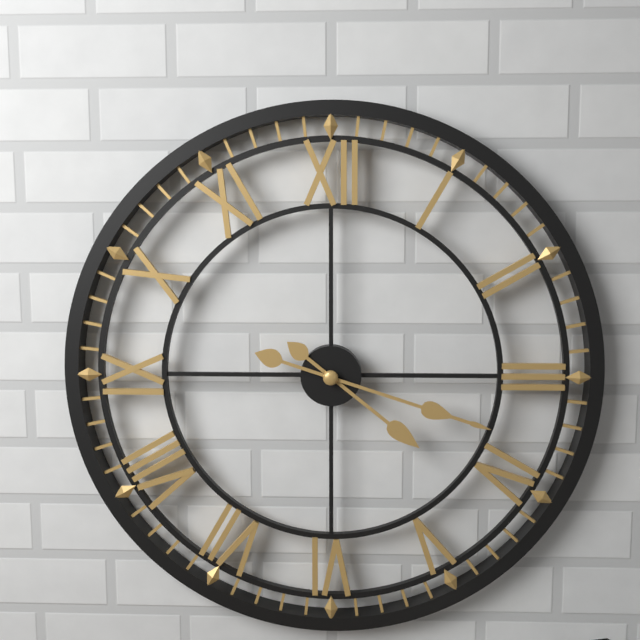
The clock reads 4 h 18 min
